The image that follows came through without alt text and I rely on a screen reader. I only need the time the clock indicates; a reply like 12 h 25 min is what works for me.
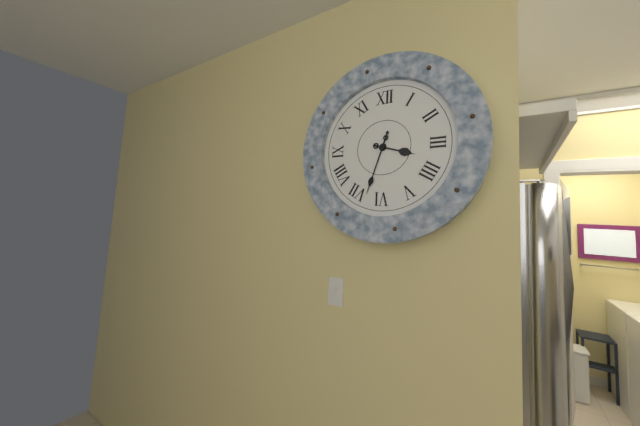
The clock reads 3 h 33 min
